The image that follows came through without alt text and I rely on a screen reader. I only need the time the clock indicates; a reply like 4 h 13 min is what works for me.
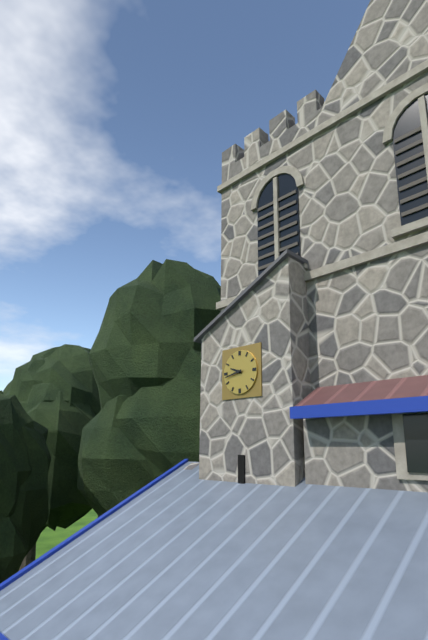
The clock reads 9 h 43 min
